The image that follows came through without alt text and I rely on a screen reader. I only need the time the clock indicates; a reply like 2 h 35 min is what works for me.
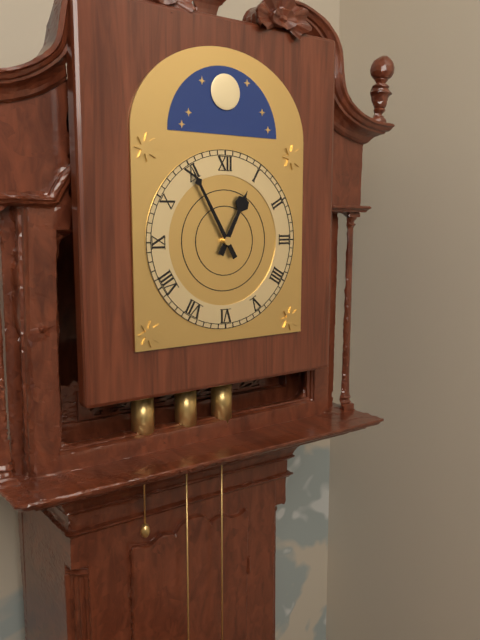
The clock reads 12 h 55 min
